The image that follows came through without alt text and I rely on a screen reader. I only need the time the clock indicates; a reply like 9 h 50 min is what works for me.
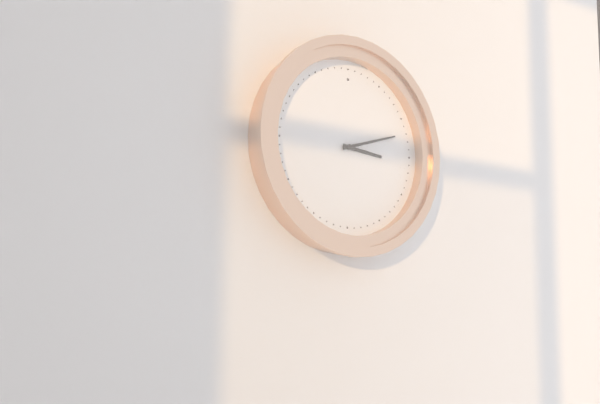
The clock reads 3 h 12 min
